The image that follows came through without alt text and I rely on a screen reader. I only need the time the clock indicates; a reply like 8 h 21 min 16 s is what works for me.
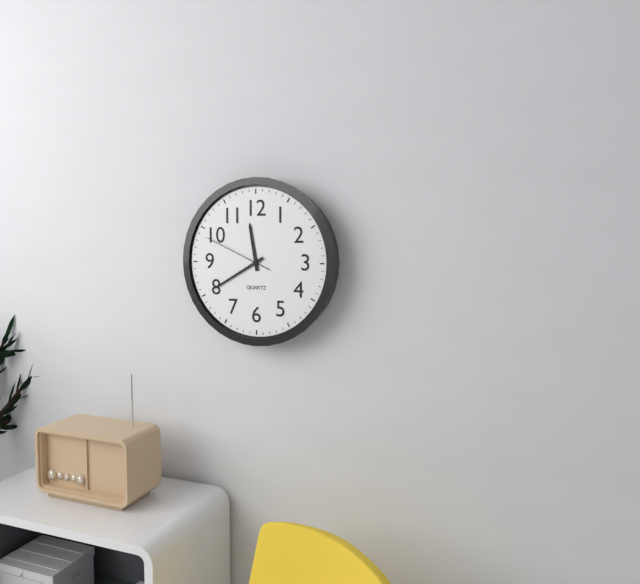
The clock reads 11 h 40 min 49 s
